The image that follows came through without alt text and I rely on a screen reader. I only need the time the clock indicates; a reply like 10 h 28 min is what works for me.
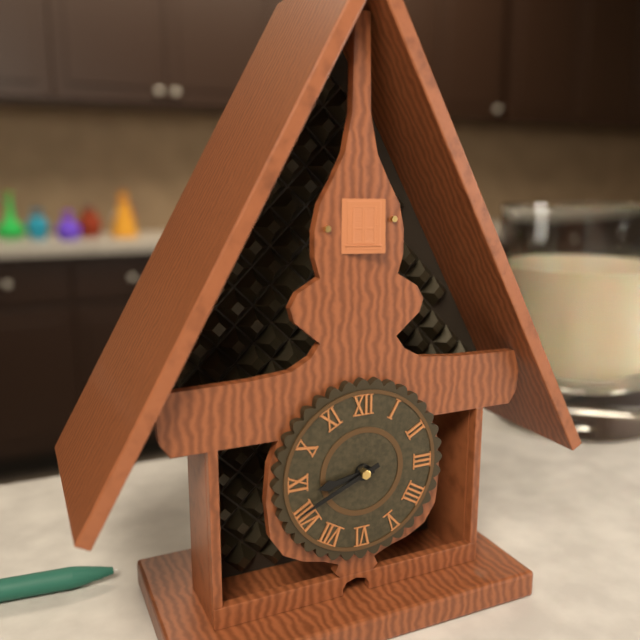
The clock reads 8 h 41 min
